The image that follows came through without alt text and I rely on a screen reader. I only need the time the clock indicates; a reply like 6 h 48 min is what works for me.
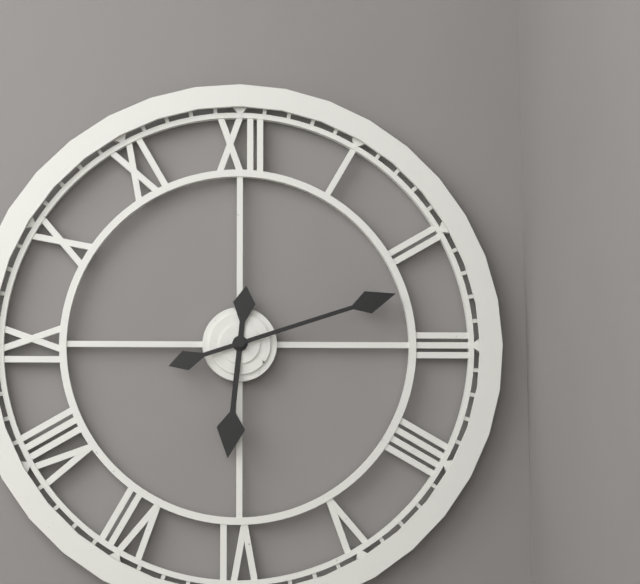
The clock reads 6 h 12 min
